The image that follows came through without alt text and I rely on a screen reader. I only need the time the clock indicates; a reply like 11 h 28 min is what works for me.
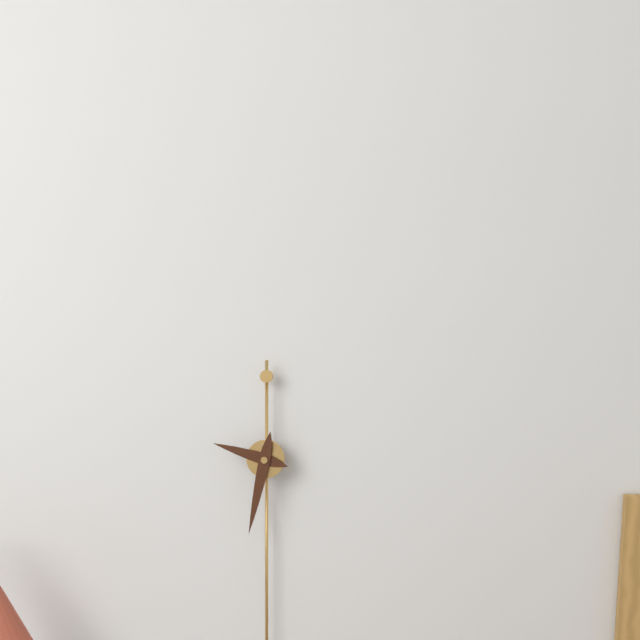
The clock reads 9 h 32 min
